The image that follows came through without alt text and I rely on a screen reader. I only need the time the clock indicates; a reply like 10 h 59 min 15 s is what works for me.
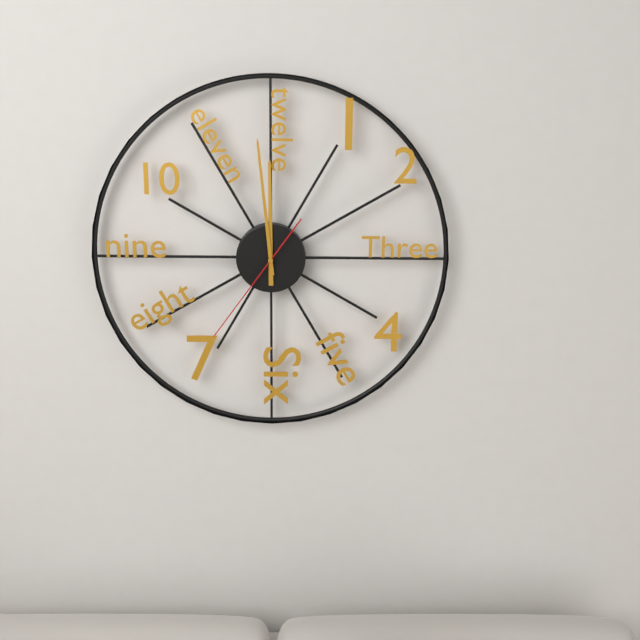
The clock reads 11 h 59 min 36 s
